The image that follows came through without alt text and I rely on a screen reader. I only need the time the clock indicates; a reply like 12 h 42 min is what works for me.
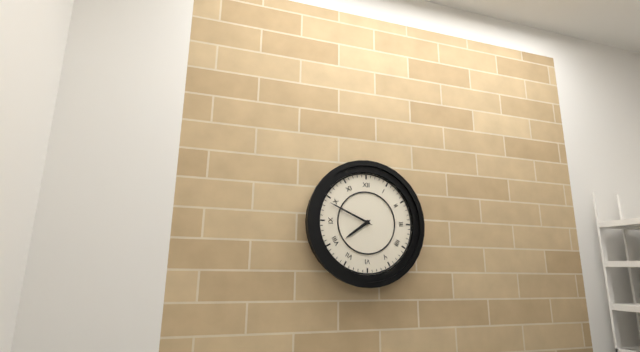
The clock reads 7 h 49 min
